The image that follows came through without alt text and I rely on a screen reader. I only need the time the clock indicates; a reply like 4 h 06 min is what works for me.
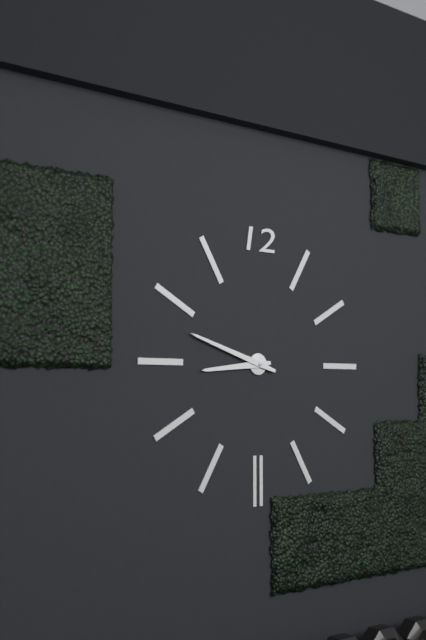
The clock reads 8 h 48 min
